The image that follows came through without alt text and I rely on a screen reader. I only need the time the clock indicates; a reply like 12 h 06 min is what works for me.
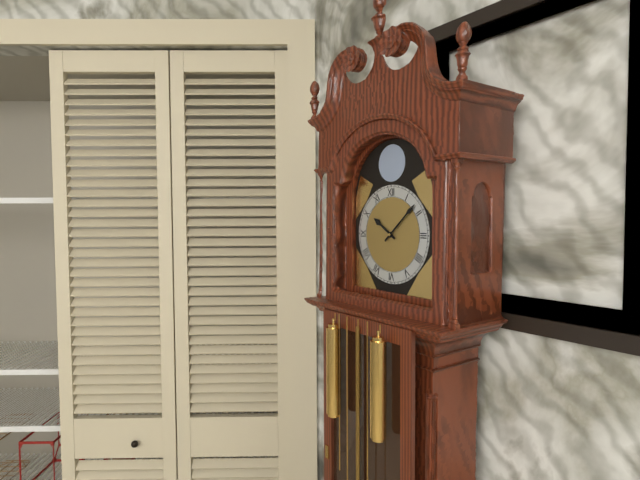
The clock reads 10 h 08 min
